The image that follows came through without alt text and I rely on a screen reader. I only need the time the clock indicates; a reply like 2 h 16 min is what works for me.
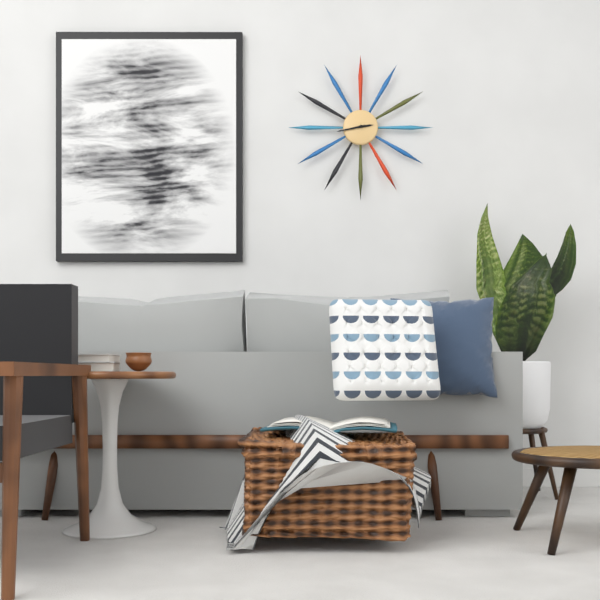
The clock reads 2 h 43 min
